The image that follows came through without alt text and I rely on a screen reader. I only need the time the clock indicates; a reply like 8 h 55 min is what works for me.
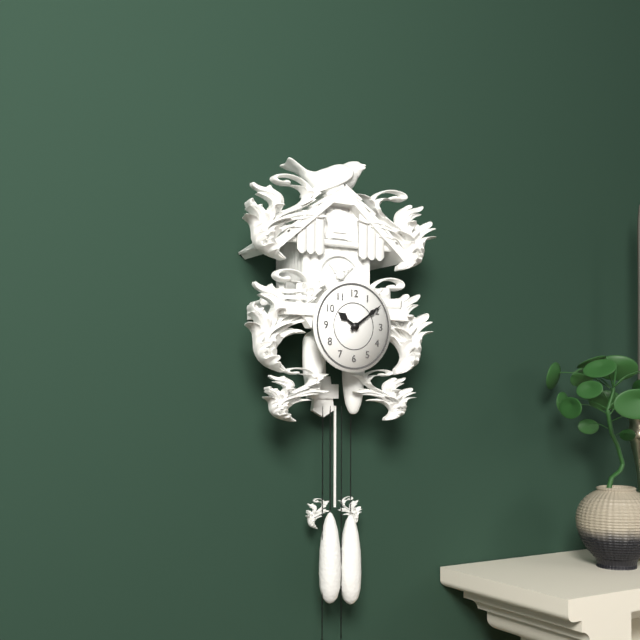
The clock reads 10 h 09 min
